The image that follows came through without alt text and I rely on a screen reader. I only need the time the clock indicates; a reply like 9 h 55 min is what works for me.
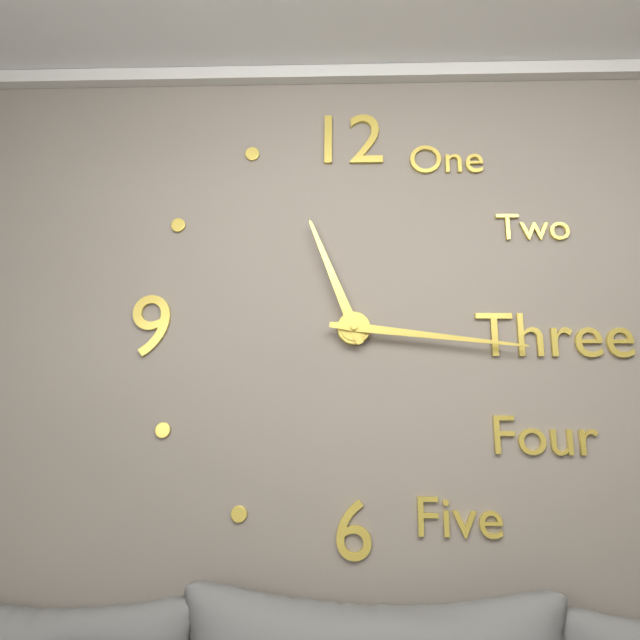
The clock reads 11 h 16 min
